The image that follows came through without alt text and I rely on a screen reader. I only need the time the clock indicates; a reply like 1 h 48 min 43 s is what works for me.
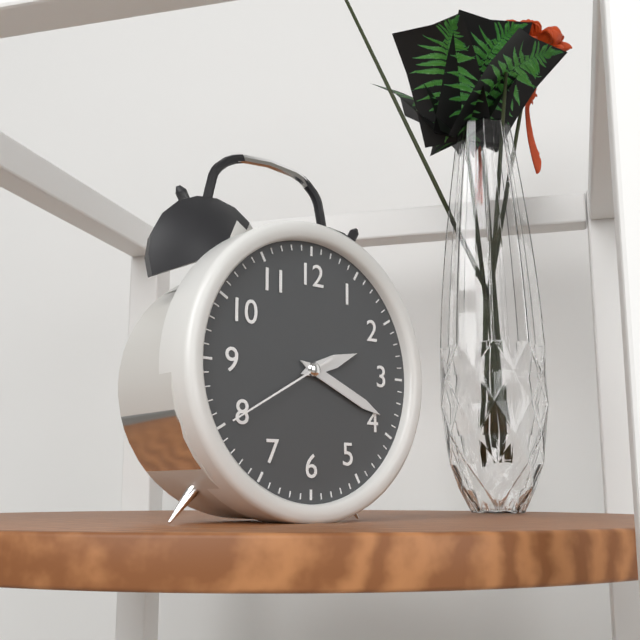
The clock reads 2 h 19 min 40 s
